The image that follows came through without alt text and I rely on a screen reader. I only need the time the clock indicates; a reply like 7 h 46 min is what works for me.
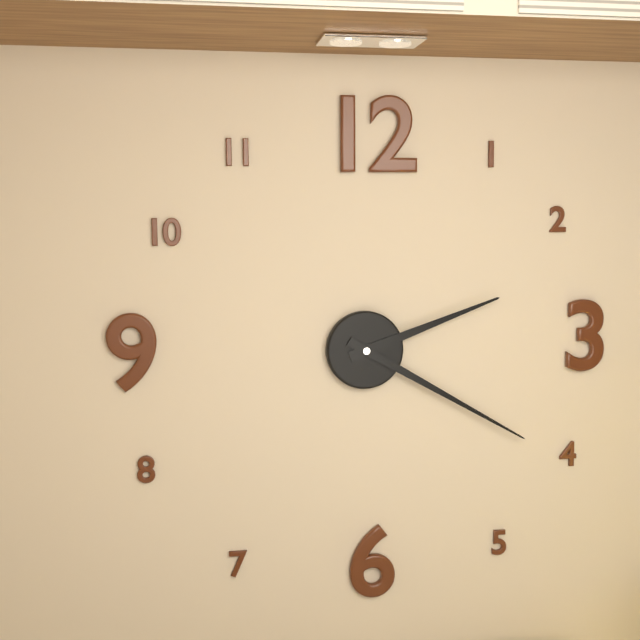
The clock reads 2 h 20 min
